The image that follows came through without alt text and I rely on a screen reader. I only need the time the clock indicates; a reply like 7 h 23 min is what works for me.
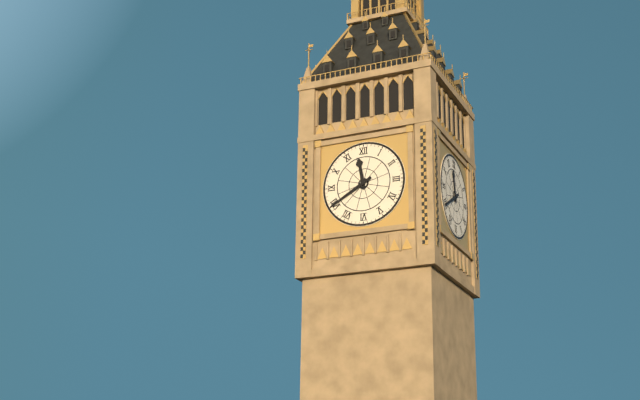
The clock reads 11 h 40 min
